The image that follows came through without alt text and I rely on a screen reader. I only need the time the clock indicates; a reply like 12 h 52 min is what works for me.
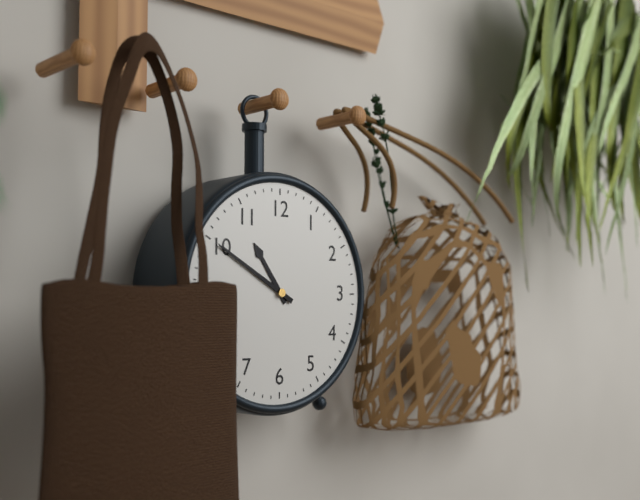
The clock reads 10 h 50 min
